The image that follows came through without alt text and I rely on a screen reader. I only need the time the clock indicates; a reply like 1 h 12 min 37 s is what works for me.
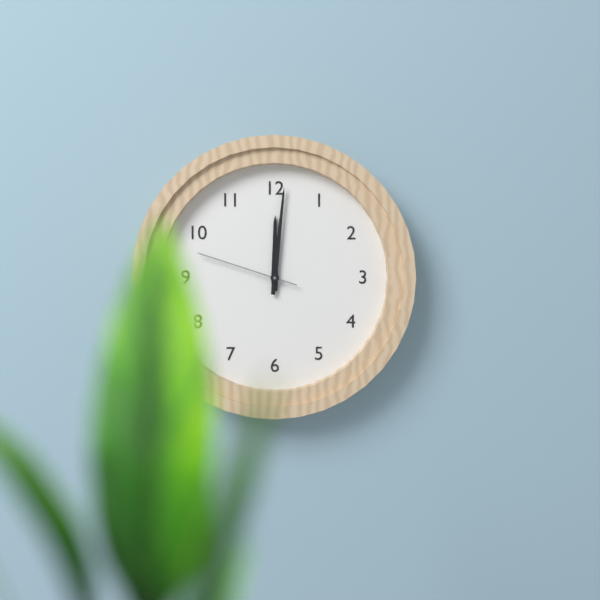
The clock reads 12 h 01 min 48 s
